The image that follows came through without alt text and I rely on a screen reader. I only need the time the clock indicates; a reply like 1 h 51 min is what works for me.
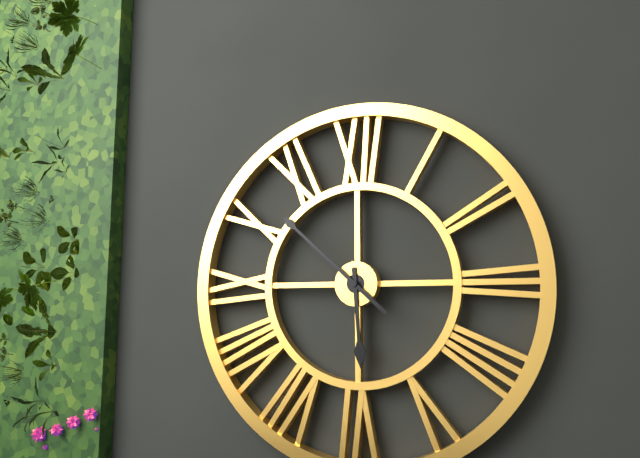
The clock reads 5 h 52 min
